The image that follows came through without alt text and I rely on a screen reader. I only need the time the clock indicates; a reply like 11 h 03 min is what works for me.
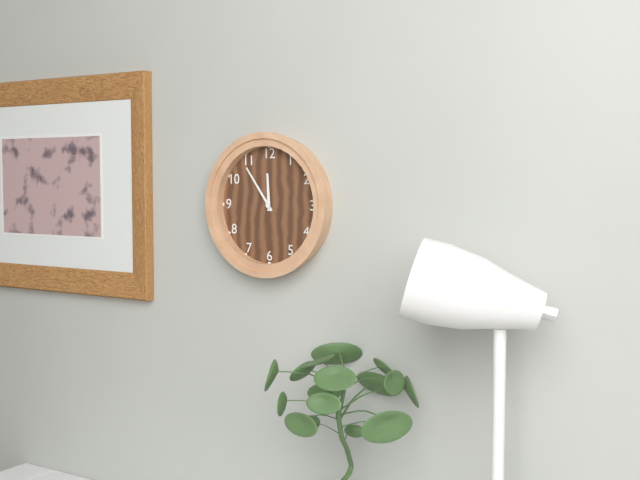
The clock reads 11 h 54 min
